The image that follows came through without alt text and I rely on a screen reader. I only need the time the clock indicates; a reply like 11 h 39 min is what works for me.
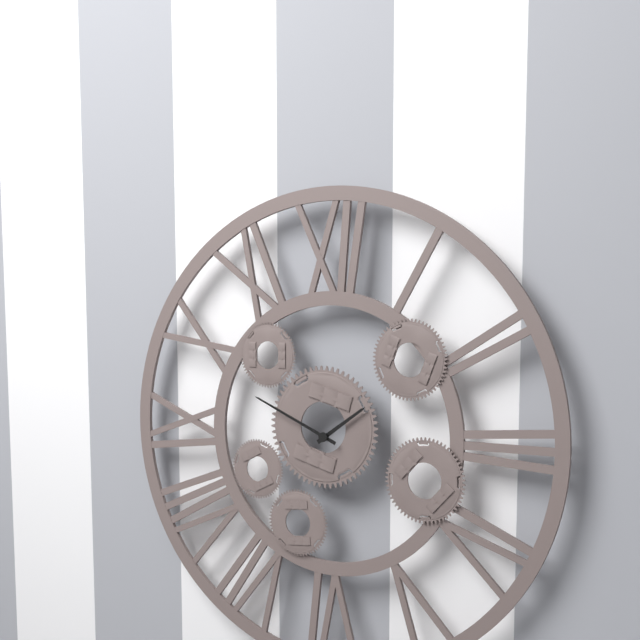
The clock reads 1 h 49 min
